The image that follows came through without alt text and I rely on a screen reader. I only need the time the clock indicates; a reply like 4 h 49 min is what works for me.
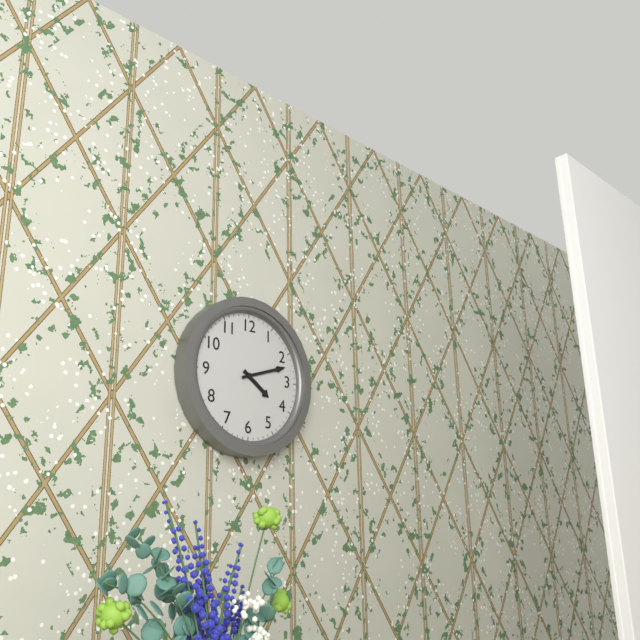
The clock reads 4 h 12 min
